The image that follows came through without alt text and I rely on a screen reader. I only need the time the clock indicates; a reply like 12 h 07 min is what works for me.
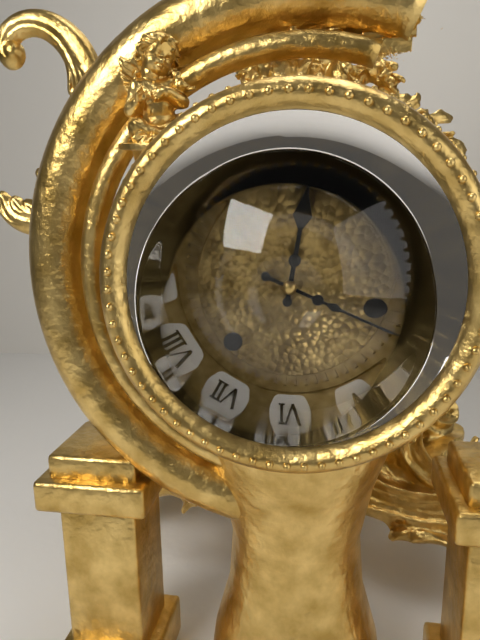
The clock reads 12 h 19 min
